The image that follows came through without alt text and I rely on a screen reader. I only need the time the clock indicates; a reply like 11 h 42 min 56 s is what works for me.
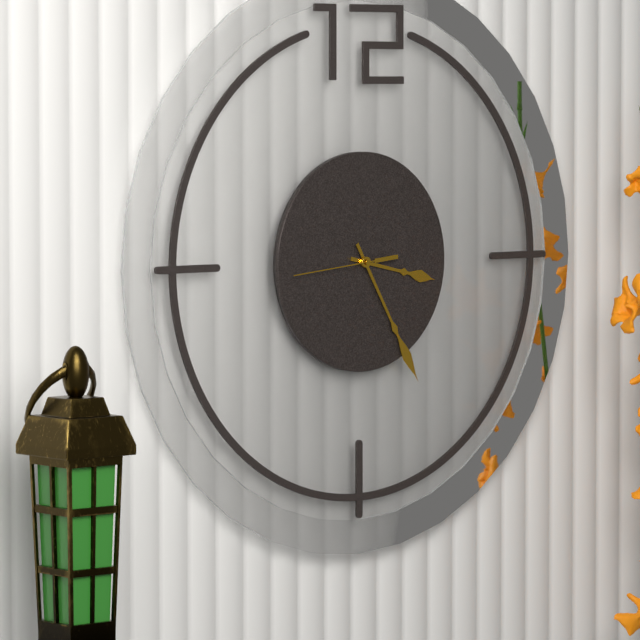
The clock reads 3 h 25 min 44 s
